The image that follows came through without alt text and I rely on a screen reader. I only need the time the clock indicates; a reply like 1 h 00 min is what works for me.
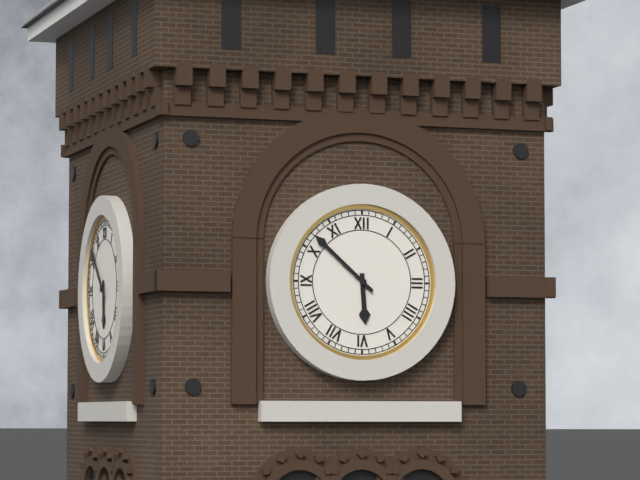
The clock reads 5 h 52 min
